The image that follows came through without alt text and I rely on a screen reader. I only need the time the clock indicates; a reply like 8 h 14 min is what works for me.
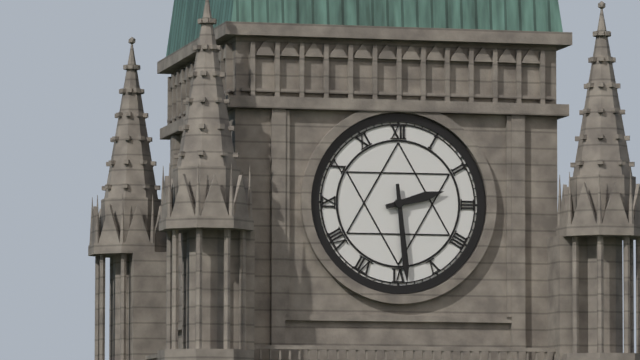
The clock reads 2 h 29 min
